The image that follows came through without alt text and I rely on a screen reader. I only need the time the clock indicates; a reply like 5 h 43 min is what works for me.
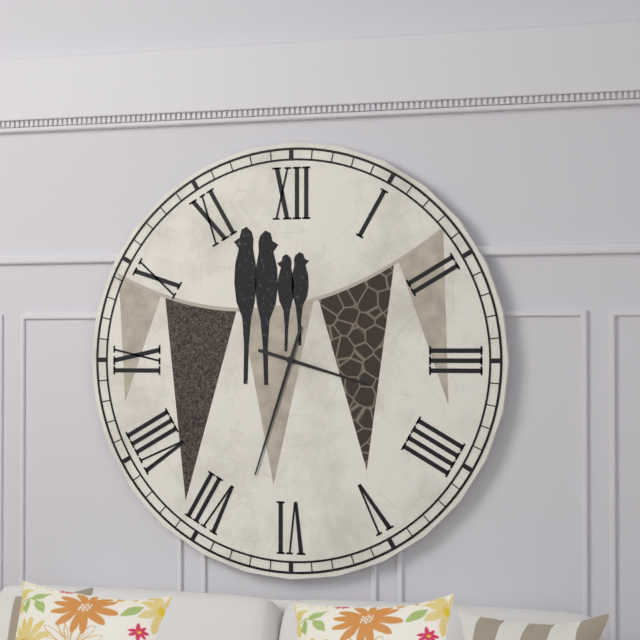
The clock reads 3 h 33 min
